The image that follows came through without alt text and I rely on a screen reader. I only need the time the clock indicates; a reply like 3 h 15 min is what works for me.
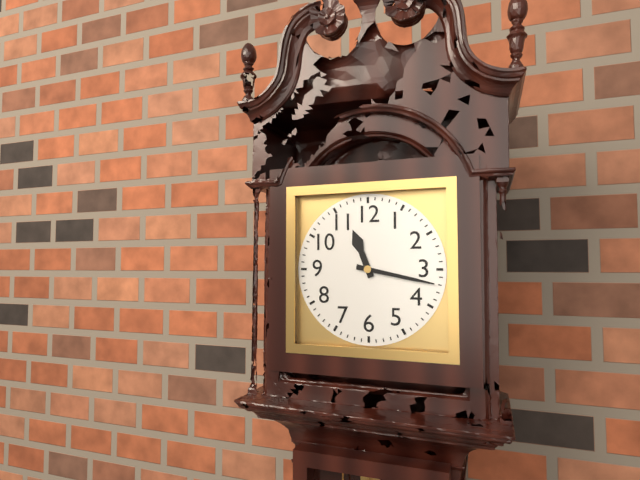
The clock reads 11 h 17 min
